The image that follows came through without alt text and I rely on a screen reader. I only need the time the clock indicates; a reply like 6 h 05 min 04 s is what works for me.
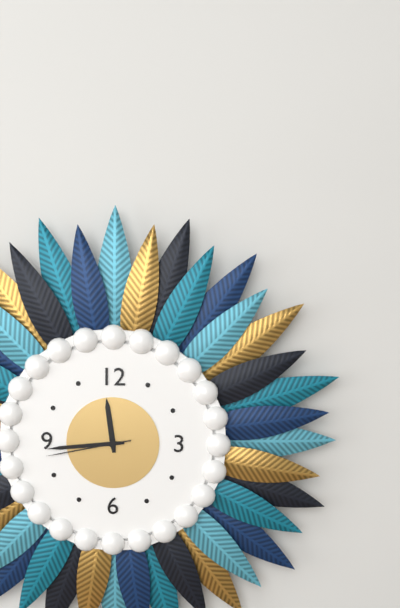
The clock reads 11 h 44 min 43 s
